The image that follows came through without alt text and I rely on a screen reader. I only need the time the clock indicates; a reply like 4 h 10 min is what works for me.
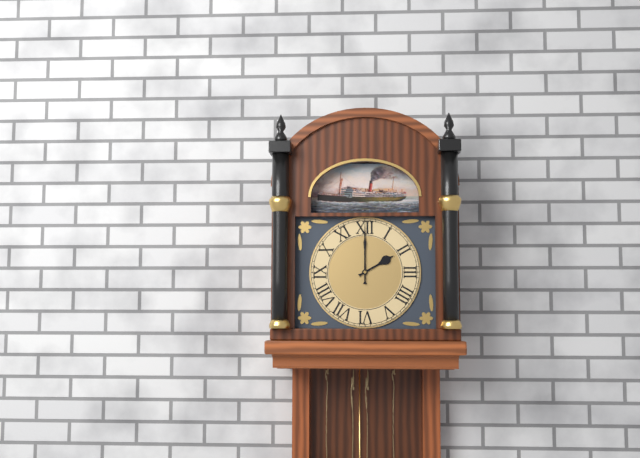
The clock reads 2 h 00 min
